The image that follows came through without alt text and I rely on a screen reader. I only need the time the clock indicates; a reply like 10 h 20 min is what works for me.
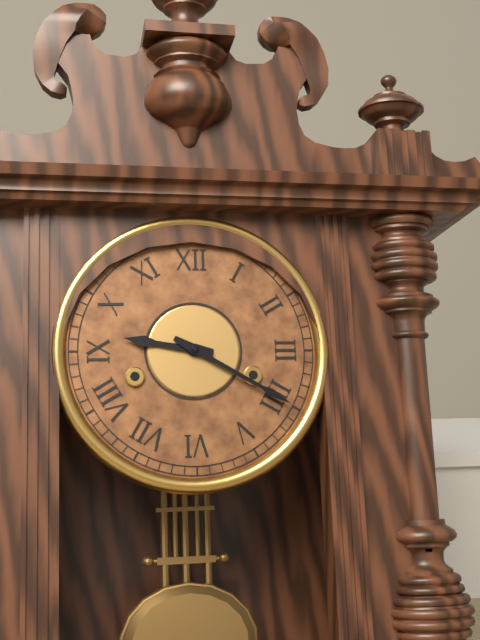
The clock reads 9 h 20 min
